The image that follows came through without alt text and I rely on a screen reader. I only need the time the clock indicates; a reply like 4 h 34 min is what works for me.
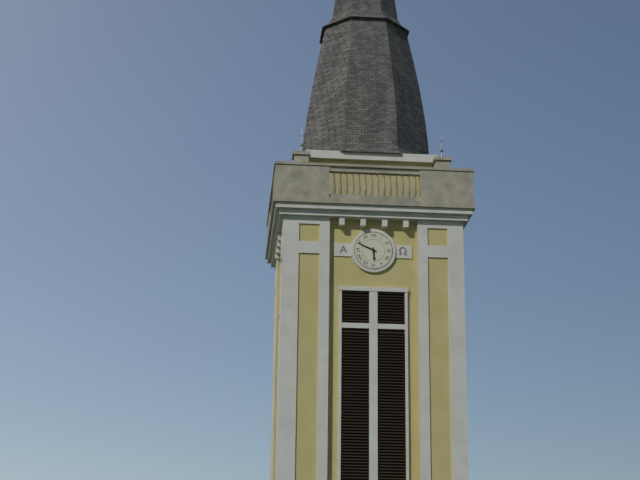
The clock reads 5 h 49 min
